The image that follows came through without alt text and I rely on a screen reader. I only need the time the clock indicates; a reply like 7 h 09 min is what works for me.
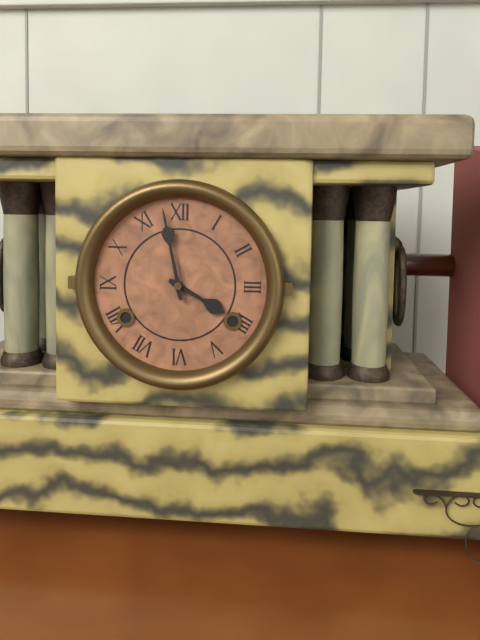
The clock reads 3 h 58 min
